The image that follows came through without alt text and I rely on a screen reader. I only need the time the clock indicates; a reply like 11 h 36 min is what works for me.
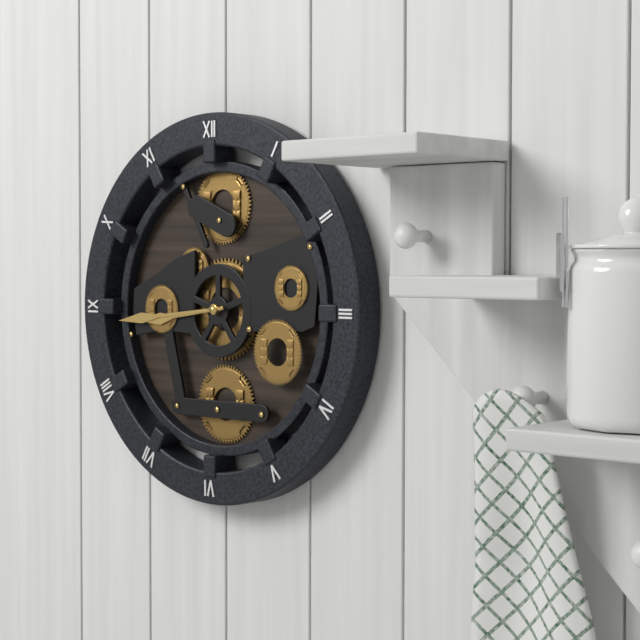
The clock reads 8 h 44 min
